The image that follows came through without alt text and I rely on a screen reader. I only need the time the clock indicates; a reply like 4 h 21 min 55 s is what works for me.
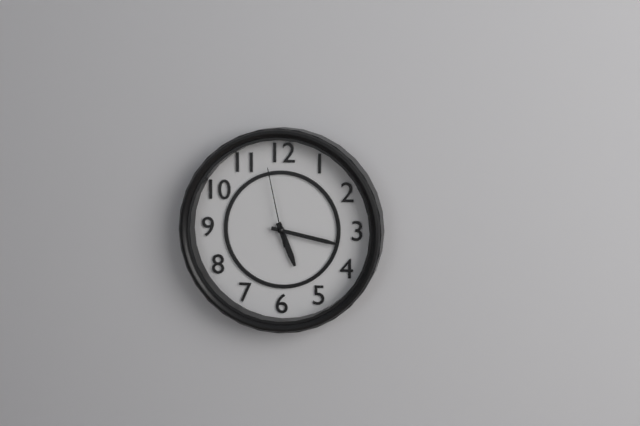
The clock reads 5 h 17 min 58 s
